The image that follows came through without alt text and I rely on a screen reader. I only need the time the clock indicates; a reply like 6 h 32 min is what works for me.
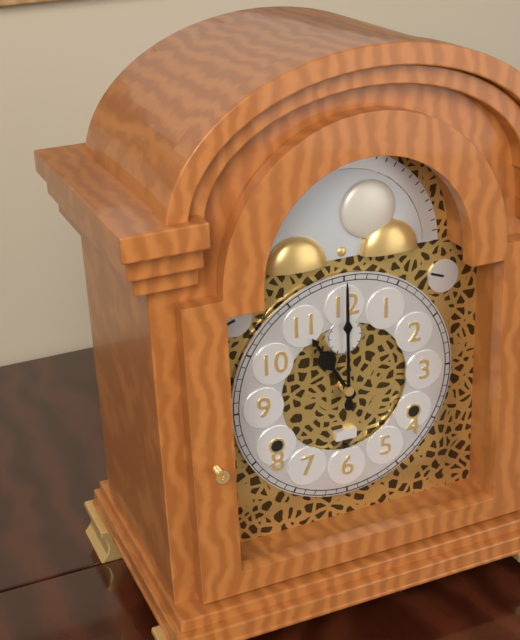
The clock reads 11 h 00 min
